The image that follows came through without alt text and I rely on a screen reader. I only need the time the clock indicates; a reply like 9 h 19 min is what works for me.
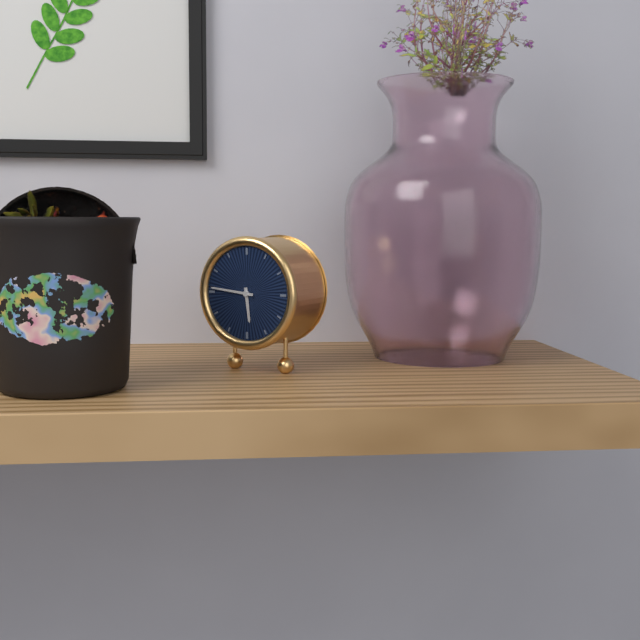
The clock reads 5 h 46 min
